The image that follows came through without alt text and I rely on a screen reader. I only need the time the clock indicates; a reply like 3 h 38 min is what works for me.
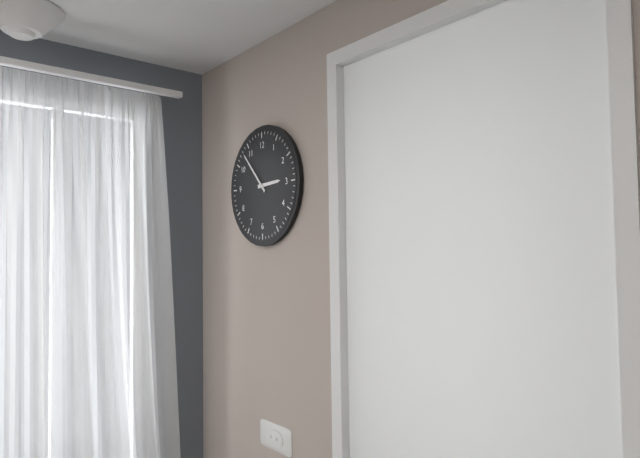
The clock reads 2 h 53 min
